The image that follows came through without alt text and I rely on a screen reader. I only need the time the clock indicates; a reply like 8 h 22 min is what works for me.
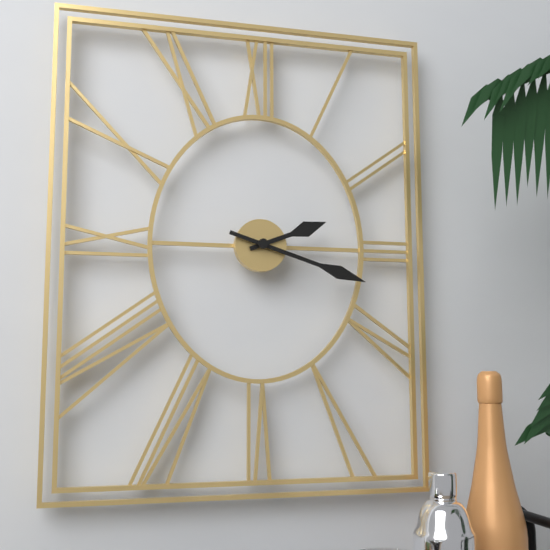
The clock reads 2 h 18 min
